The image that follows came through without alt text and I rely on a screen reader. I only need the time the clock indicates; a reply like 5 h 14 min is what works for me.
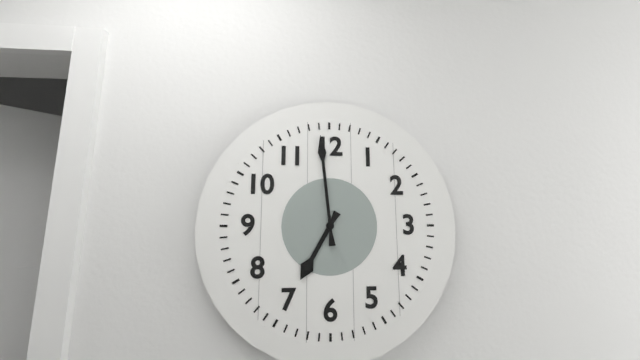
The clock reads 6 h 59 min
